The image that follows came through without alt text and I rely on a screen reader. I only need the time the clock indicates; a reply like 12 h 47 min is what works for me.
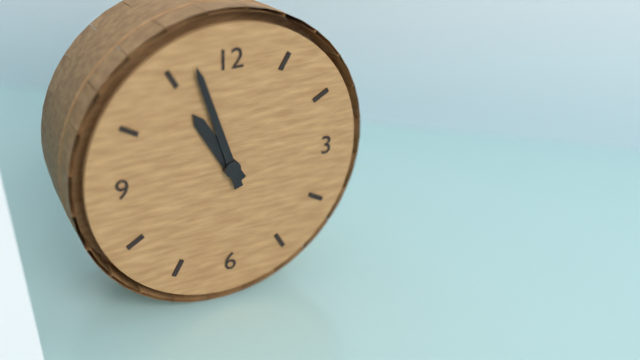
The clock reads 10 h 57 min
